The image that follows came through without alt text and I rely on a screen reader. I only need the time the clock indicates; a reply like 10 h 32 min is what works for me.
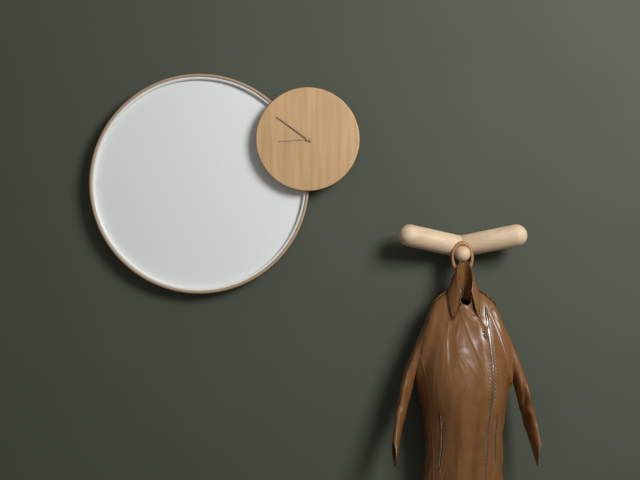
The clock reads 8 h 51 min
